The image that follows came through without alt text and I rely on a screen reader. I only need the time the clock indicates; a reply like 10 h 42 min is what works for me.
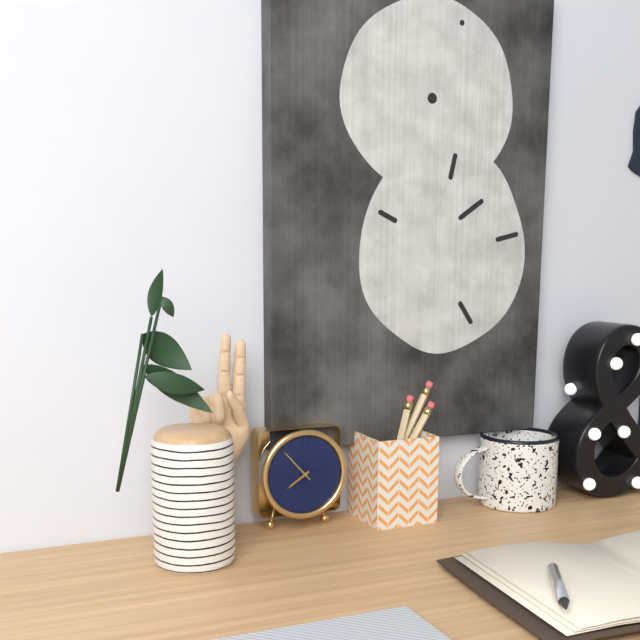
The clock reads 7 h 53 min
